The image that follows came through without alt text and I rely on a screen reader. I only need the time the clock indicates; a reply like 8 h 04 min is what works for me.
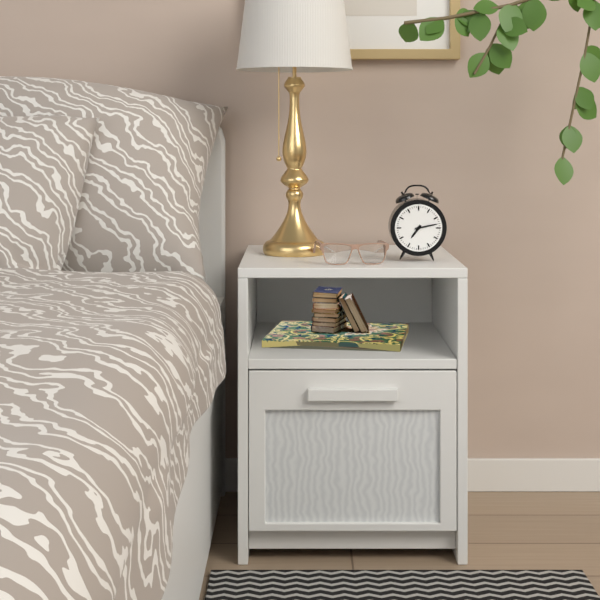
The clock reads 7 h 13 min
